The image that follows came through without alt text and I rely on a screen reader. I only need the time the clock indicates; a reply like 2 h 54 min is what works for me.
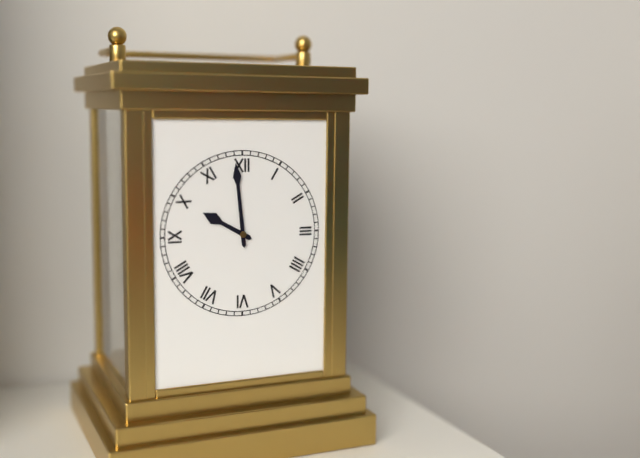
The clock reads 9 h 59 min
